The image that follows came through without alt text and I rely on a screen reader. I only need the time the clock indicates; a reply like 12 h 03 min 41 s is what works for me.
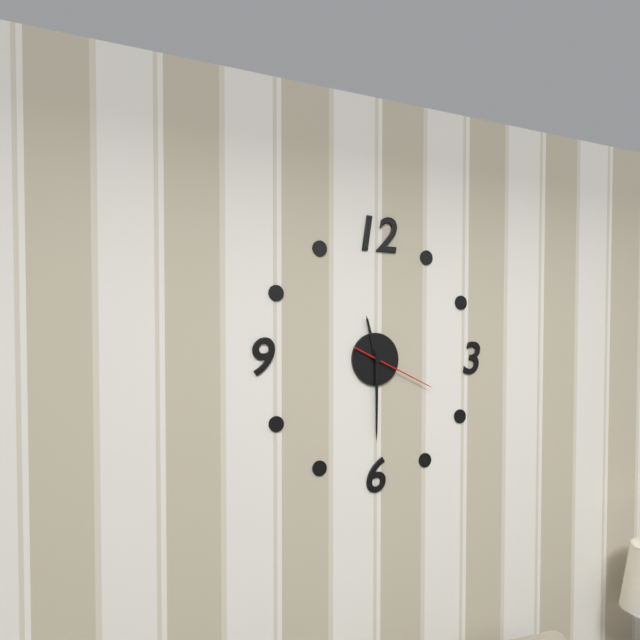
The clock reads 11 h 30 min 19 s
